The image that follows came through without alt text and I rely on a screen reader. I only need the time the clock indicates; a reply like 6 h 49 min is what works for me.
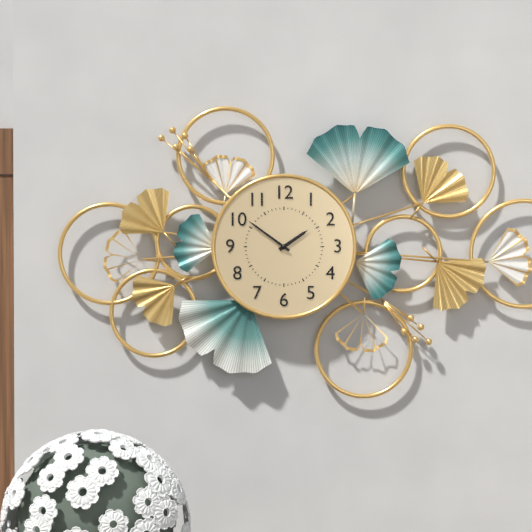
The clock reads 1 h 51 min
